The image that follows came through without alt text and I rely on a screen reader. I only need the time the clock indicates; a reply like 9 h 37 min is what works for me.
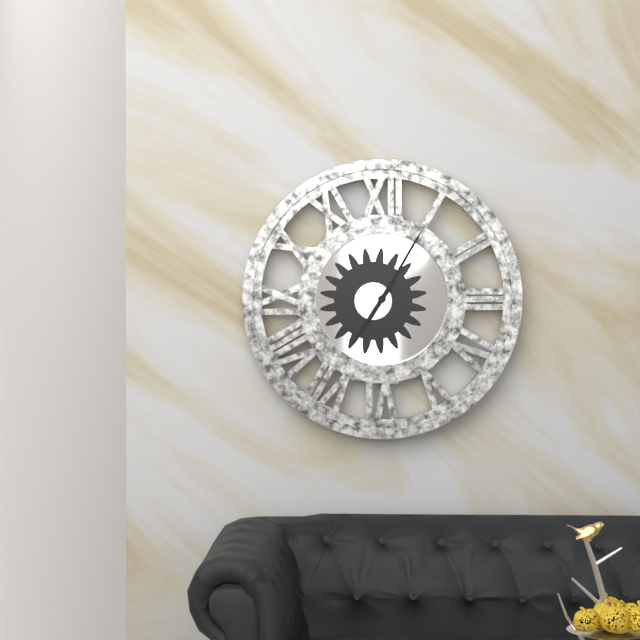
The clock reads 7 h 05 min
